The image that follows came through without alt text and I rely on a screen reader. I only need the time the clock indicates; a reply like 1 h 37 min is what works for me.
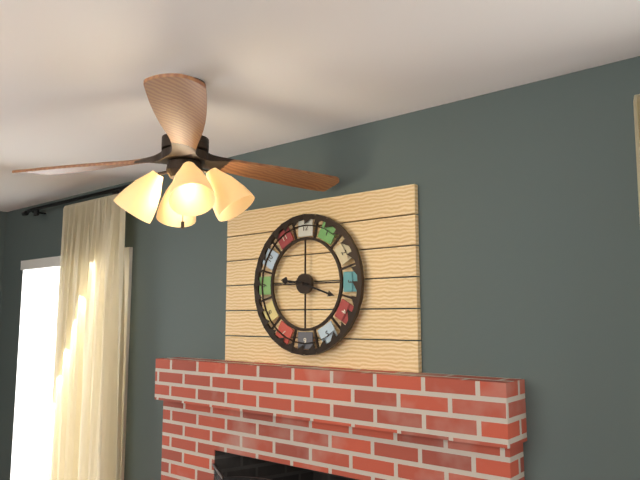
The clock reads 9 h 18 min
